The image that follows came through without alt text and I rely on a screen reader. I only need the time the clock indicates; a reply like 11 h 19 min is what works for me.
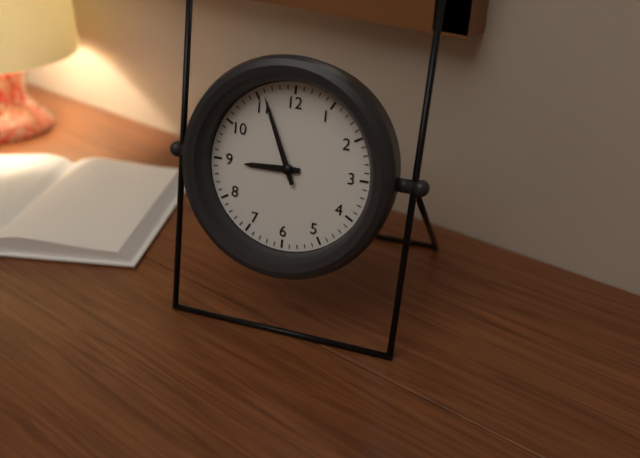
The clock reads 8 h 56 min
